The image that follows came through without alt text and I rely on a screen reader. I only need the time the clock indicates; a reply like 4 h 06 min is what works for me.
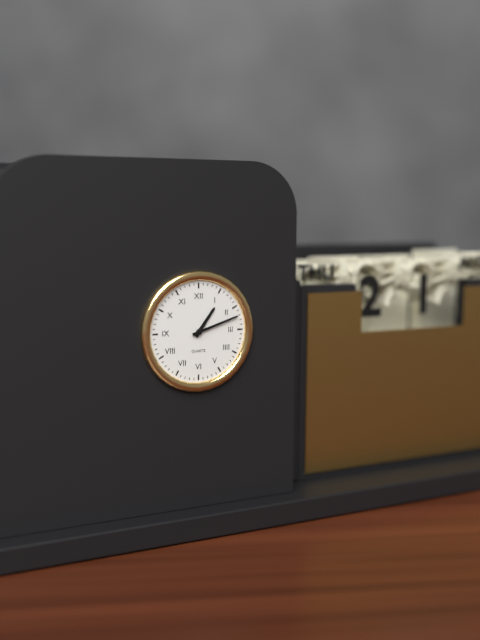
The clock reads 1 h 12 min
